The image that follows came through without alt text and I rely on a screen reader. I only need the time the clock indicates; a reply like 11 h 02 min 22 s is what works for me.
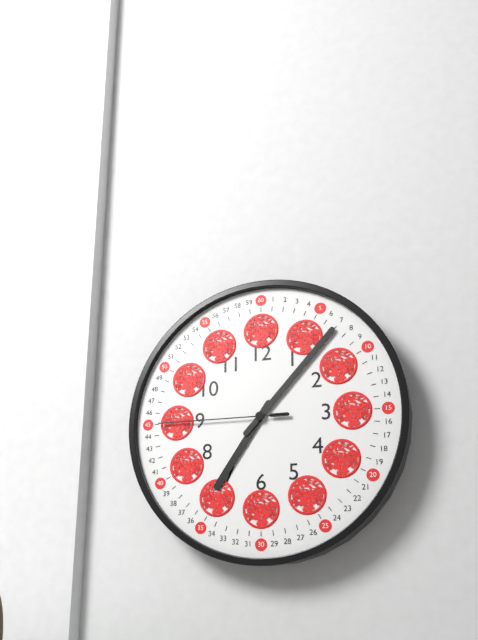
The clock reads 7 h 07 min 45 s
